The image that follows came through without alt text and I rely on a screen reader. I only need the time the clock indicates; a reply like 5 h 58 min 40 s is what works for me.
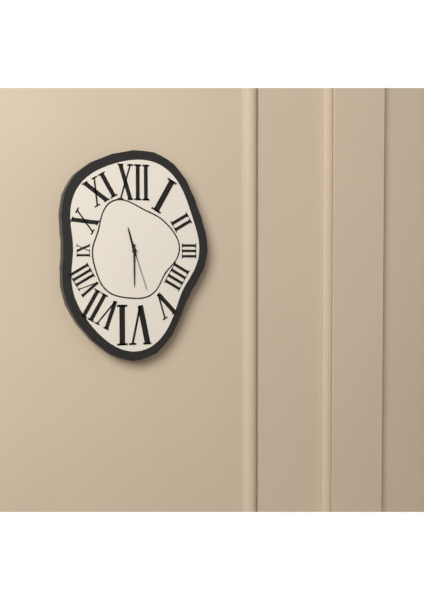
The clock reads 11 h 30 min 27 s
